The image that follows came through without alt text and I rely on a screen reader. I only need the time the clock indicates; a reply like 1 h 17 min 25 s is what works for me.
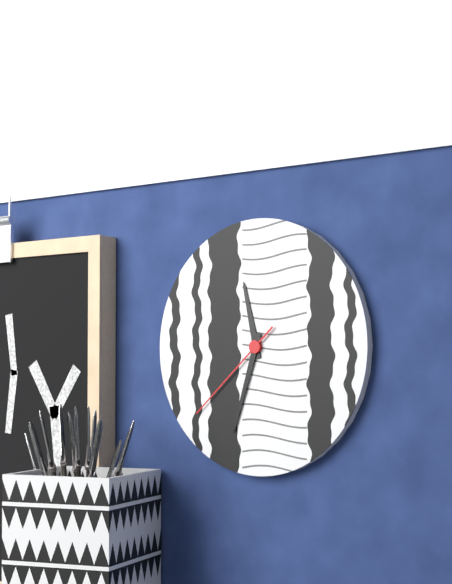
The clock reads 11 h 33 min 38 s
